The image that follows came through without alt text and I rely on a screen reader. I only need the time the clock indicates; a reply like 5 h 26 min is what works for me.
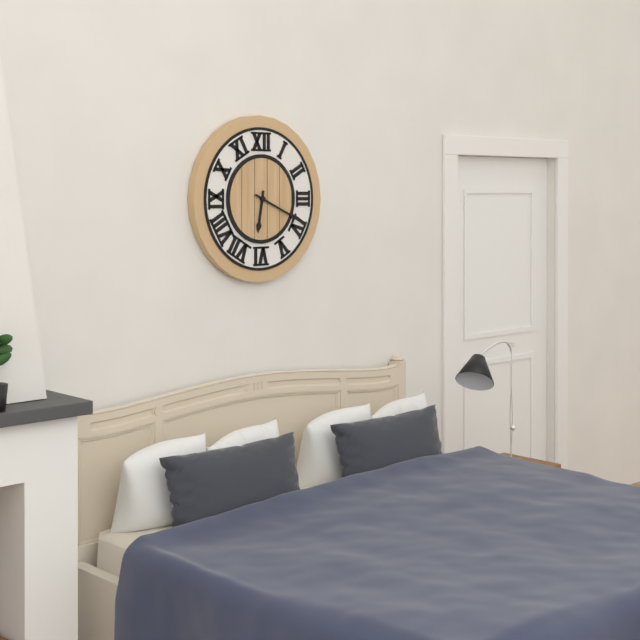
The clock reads 6 h 19 min
